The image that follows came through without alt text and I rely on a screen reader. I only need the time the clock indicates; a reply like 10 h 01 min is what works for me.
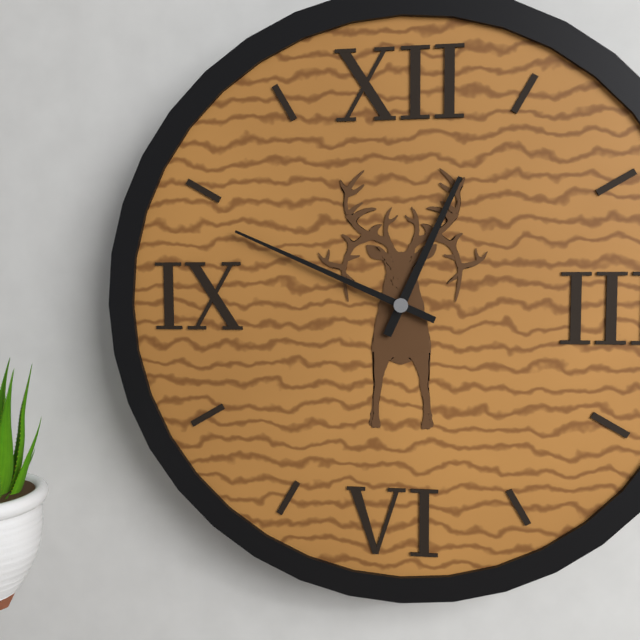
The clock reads 12 h 49 min
